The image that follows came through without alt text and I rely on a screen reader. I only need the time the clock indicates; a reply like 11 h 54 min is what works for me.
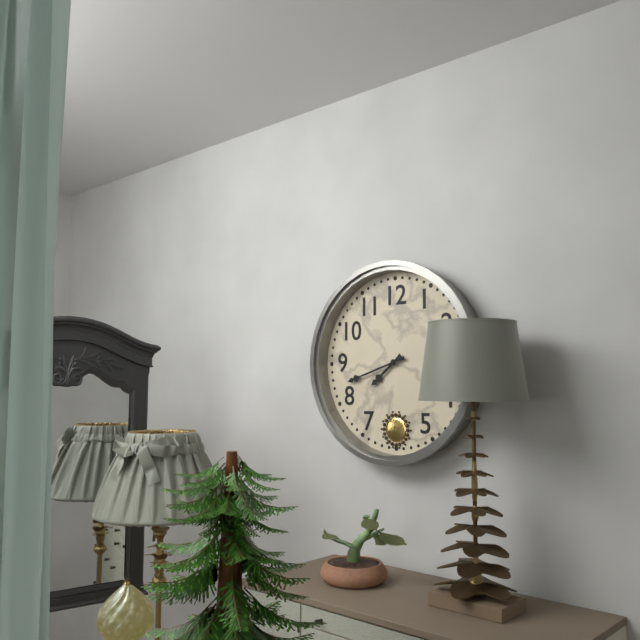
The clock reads 7 h 42 min
